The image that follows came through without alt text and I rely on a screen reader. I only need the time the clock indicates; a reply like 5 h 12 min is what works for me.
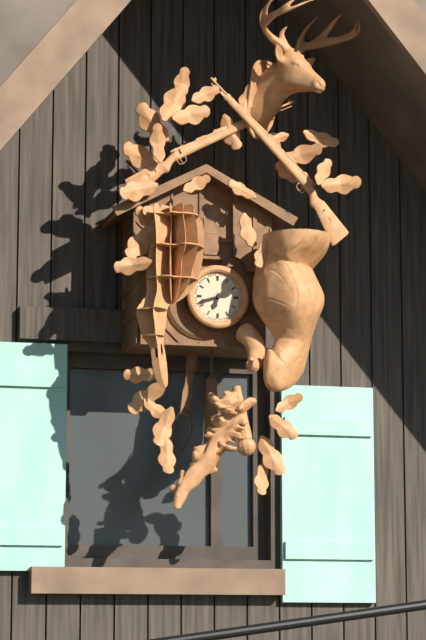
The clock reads 6 h 42 min
